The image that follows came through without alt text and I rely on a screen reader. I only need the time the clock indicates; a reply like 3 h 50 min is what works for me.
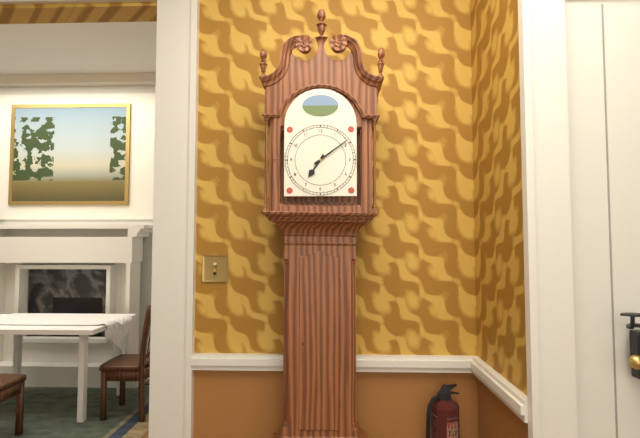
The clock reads 7 h 09 min
